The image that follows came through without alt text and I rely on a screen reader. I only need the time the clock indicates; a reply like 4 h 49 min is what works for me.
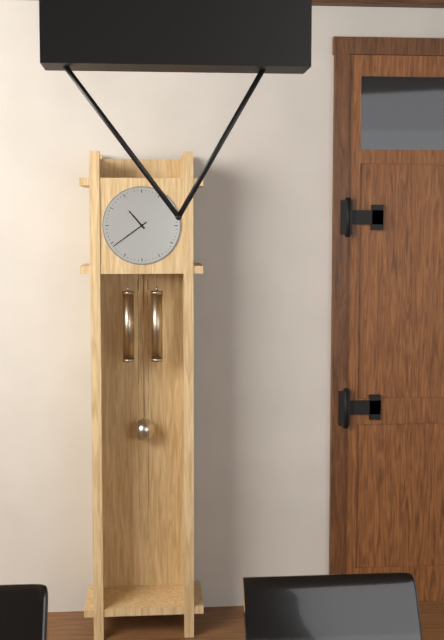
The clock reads 10 h 39 min
